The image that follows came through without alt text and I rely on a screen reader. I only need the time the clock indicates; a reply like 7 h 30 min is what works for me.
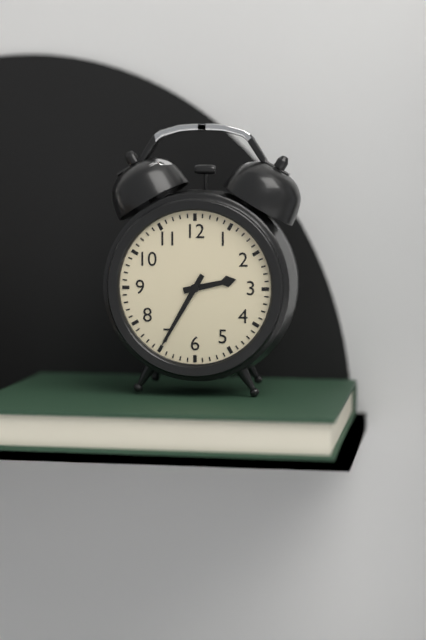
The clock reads 2 h 35 min
